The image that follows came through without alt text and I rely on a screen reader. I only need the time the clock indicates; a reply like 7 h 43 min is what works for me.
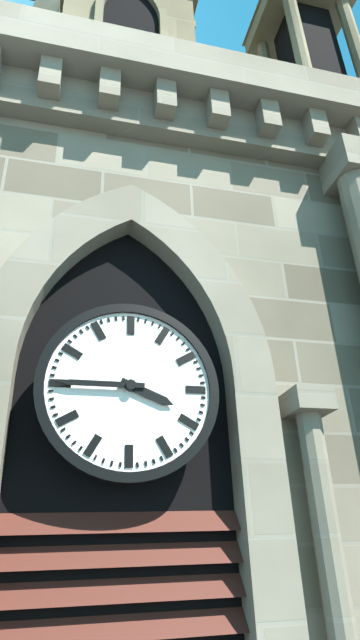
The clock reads 3 h 45 min
